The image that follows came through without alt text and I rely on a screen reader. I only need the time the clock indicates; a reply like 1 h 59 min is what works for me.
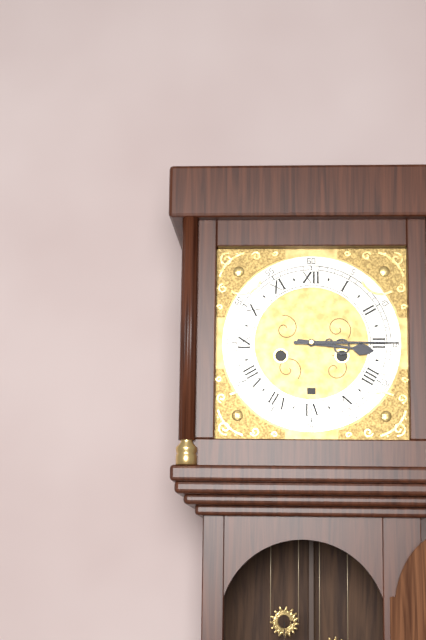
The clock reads 3 h 15 min
